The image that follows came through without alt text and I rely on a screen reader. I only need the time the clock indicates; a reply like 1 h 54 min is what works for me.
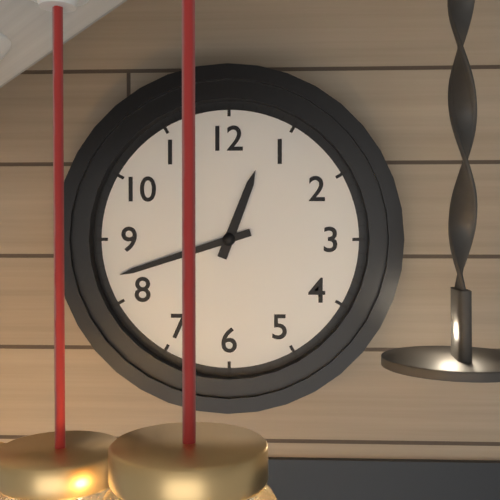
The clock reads 12 h 42 min
